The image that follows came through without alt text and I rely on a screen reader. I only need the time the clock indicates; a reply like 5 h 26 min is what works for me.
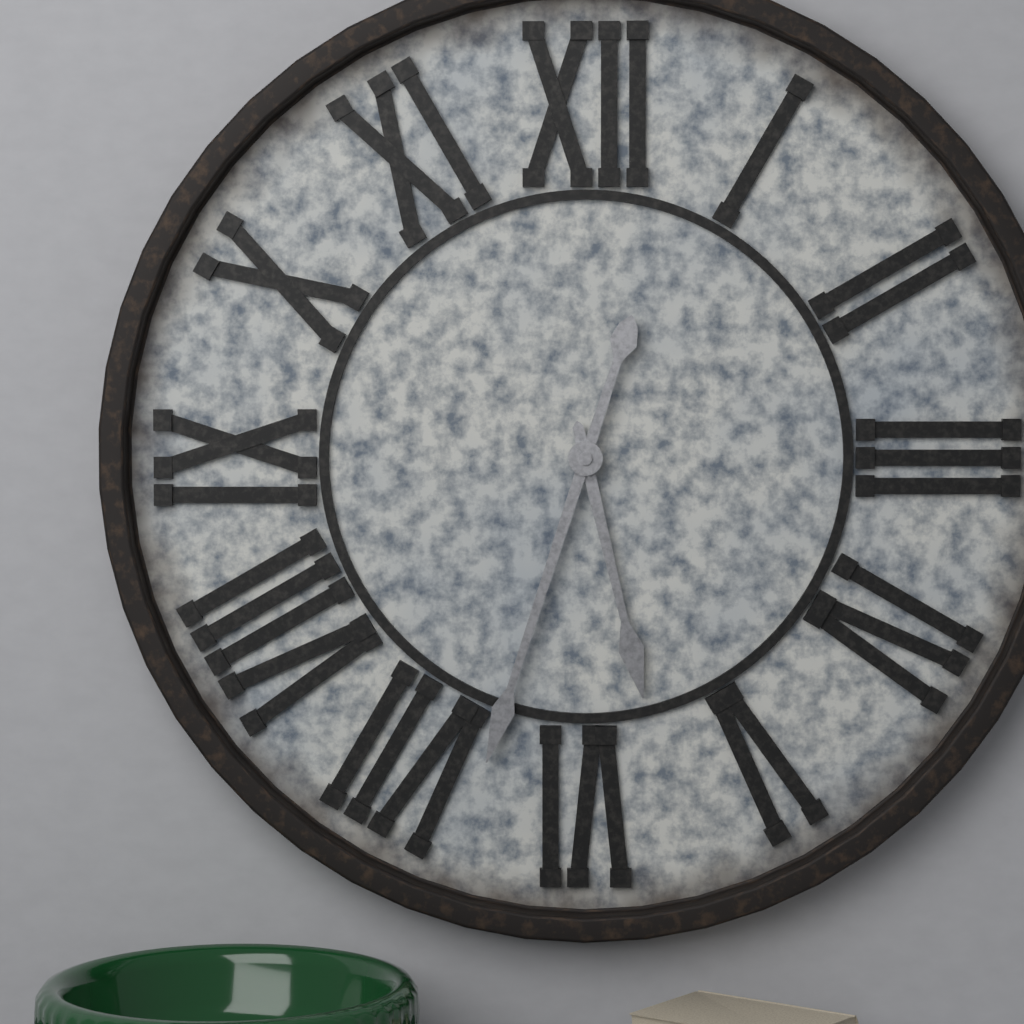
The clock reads 5 h 33 min
